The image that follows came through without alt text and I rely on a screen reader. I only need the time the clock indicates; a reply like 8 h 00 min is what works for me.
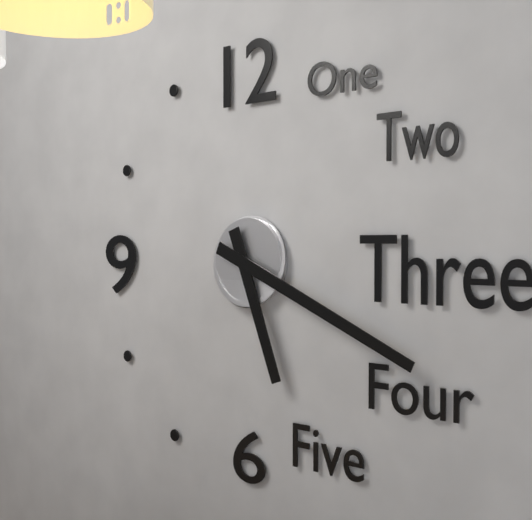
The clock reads 5 h 19 min
